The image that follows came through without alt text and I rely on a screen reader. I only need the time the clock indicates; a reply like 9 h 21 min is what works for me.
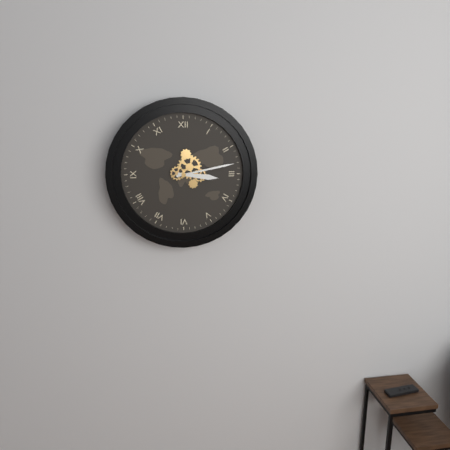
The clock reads 3 h 13 min
